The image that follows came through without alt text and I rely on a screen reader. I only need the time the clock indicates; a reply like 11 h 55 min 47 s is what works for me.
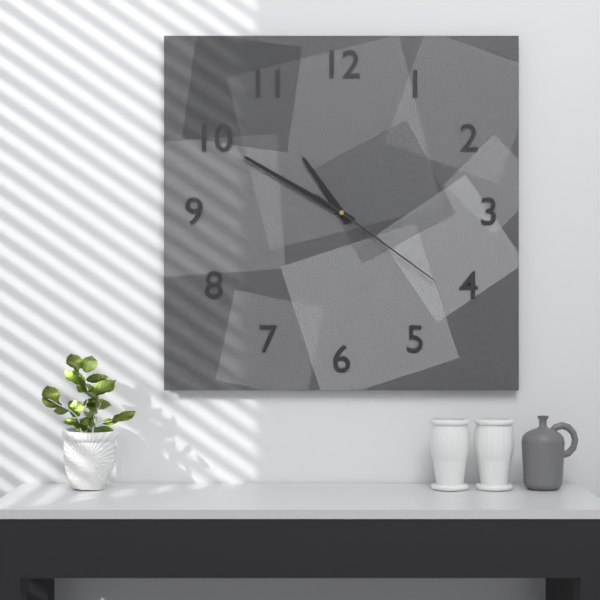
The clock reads 10 h 50 min 21 s
